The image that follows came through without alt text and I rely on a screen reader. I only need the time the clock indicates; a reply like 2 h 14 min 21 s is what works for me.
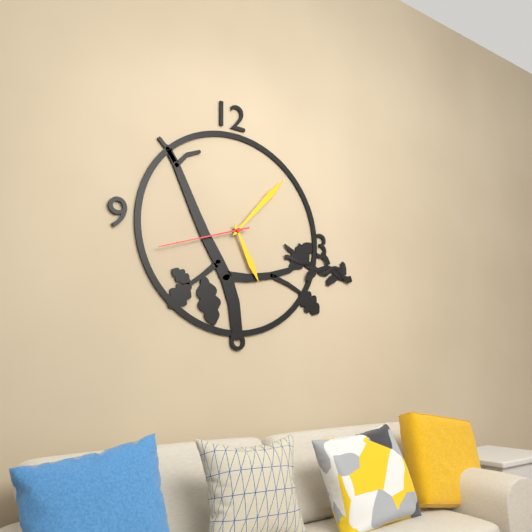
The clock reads 5 h 07 min 42 s
